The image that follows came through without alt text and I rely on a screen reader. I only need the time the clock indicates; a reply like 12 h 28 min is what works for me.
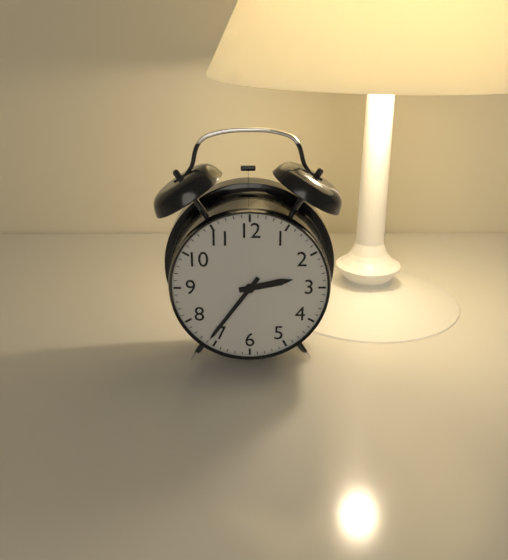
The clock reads 2 h 36 min
